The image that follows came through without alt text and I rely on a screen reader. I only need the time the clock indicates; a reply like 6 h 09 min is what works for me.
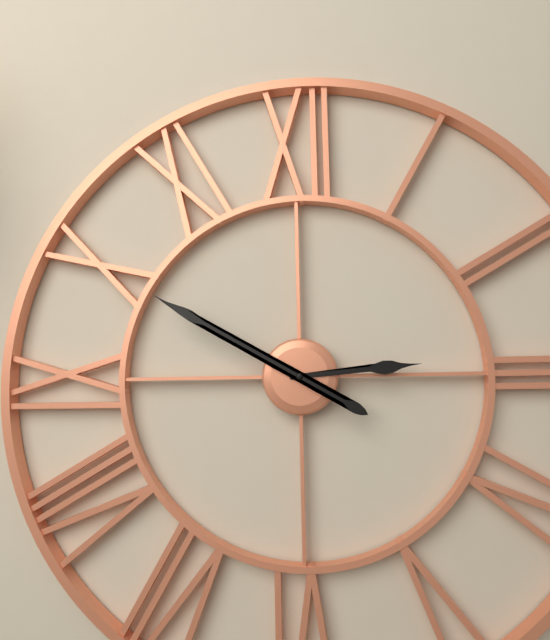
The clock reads 2 h 50 min
